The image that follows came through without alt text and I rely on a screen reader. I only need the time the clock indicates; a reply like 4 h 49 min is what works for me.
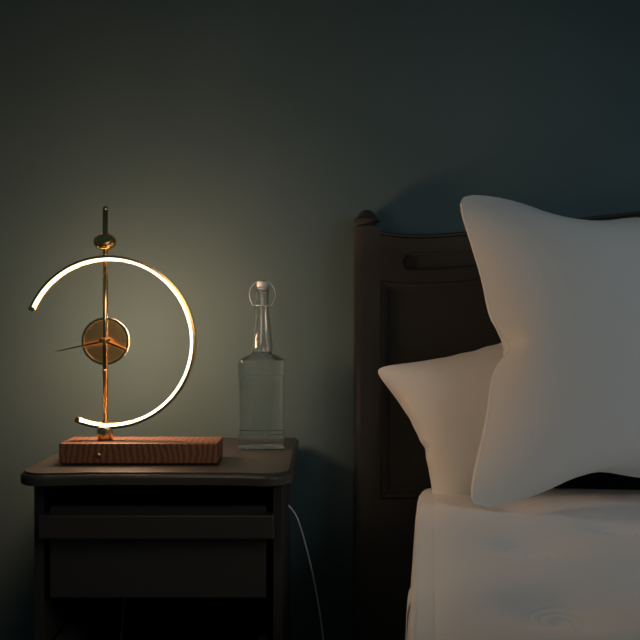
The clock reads 3 h 43 min
